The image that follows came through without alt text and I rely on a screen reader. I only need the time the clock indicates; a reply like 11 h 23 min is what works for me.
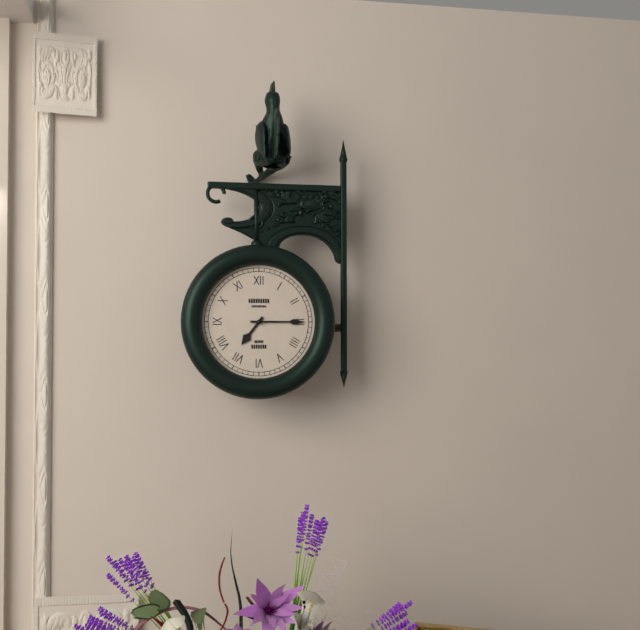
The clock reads 7 h 15 min
